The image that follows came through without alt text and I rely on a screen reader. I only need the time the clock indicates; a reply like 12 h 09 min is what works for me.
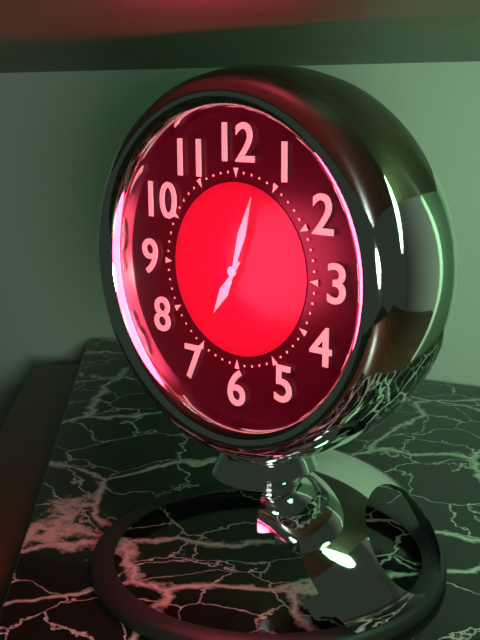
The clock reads 7 h 03 min
